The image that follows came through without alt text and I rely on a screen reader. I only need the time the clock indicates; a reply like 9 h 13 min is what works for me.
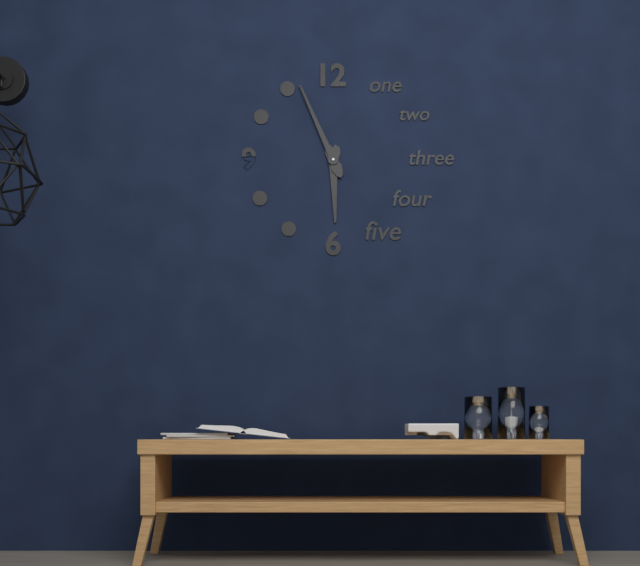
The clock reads 5 h 56 min
